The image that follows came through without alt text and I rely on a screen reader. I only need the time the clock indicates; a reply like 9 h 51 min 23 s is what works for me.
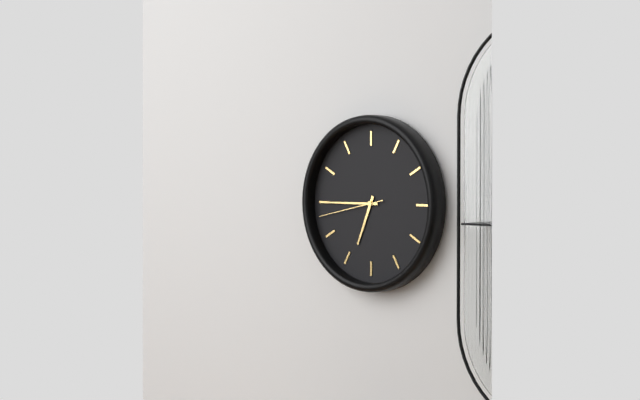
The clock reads 6 h 45 min 43 s
